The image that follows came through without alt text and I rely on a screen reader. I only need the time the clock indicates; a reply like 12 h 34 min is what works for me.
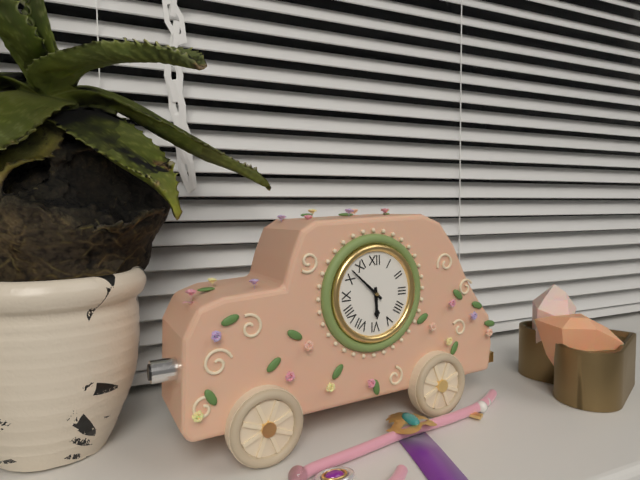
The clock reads 5 h 52 min
